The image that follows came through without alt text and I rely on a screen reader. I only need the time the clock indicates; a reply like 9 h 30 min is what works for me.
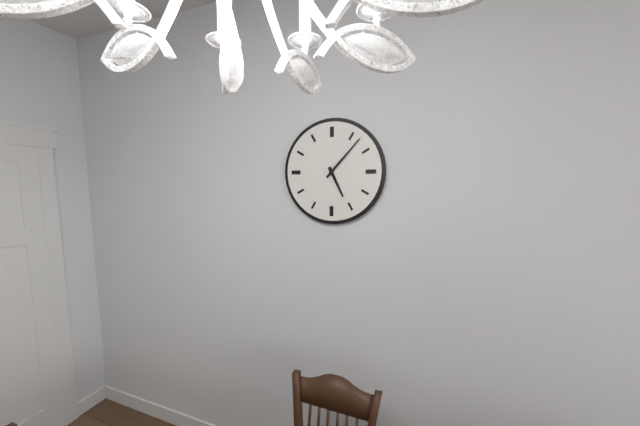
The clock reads 5 h 07 min
